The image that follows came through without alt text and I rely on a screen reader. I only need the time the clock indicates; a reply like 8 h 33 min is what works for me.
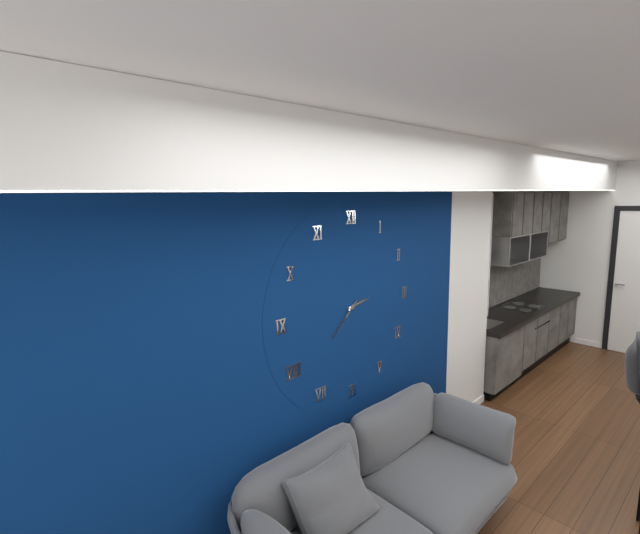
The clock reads 2 h 38 min
